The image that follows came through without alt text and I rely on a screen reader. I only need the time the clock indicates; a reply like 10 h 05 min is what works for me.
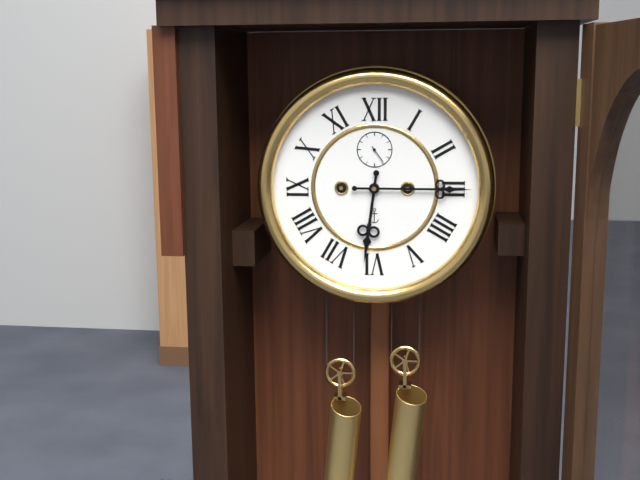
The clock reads 6 h 15 min
